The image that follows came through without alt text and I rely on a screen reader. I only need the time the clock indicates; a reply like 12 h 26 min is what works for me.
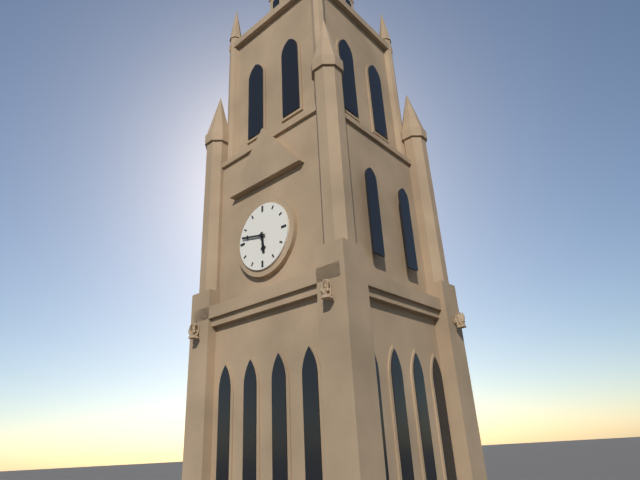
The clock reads 5 h 47 min
